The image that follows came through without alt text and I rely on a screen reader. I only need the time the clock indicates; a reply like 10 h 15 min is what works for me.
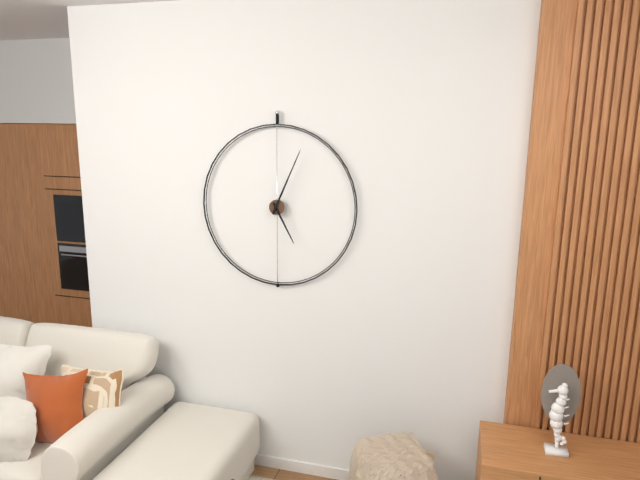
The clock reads 5 h 04 min
